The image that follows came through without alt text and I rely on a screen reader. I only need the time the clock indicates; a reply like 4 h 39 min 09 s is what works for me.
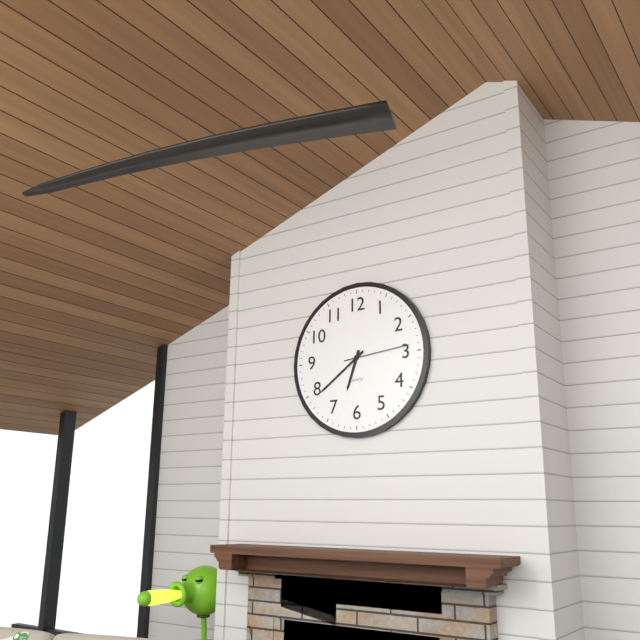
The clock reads 6 h 39 min 14 s
